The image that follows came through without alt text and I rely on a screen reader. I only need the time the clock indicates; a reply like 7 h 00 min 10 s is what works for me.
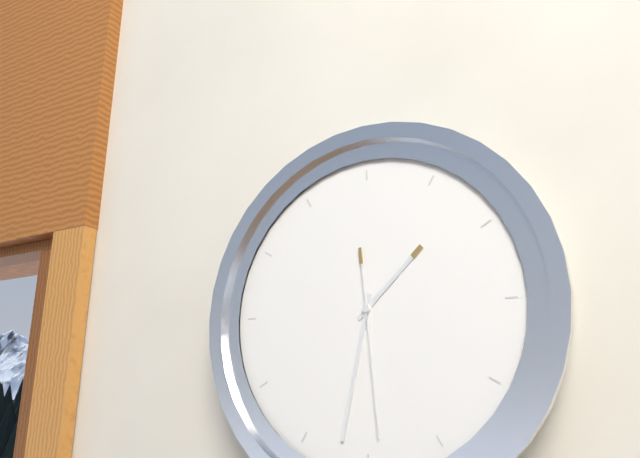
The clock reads 1 h 32 min 29 s
